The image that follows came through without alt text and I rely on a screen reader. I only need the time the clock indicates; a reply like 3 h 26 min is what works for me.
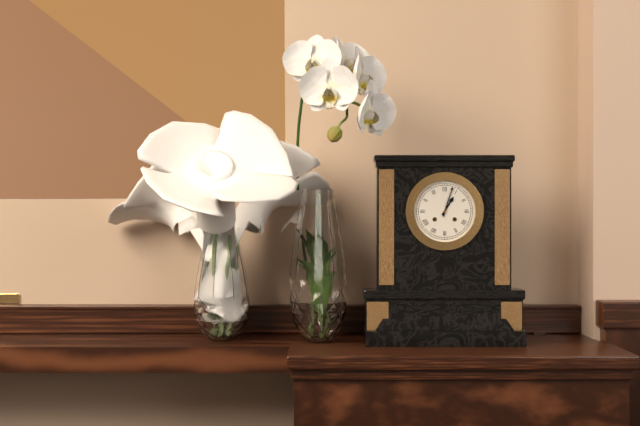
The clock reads 1 h 03 min
